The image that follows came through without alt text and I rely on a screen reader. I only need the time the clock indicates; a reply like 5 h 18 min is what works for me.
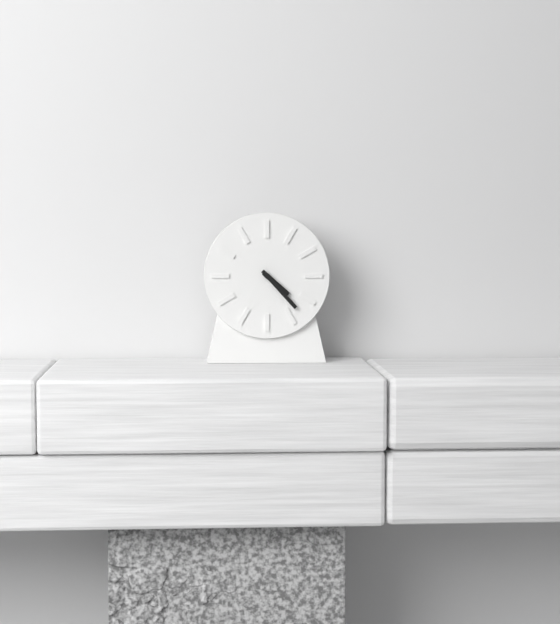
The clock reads 4 h 23 min
